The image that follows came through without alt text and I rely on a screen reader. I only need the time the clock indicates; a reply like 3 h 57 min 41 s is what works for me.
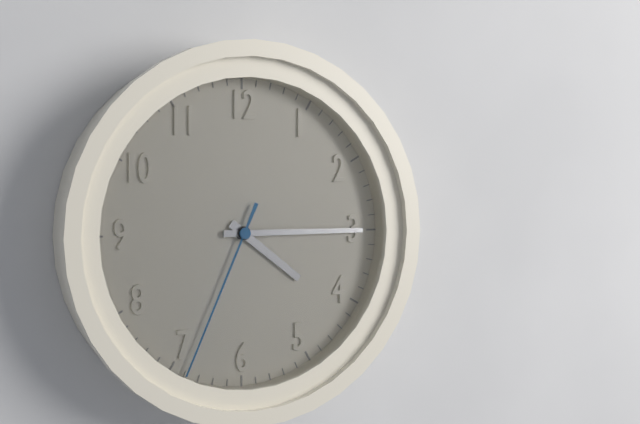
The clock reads 4 h 15 min 34 s
